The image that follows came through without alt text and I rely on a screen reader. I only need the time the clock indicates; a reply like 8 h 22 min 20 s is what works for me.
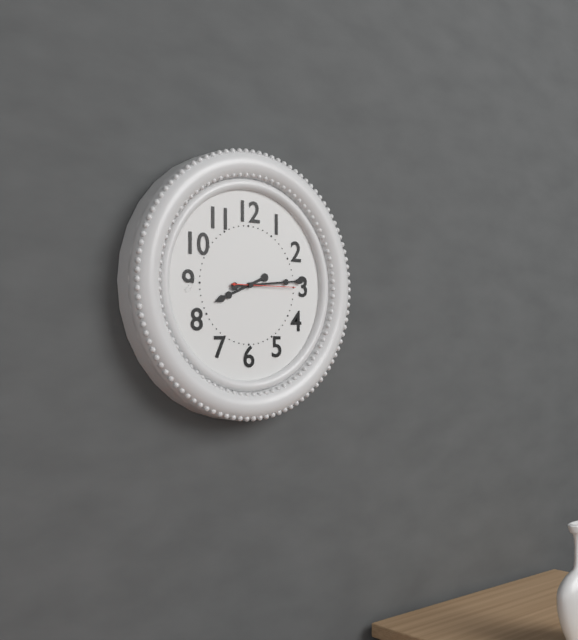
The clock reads 8 h 14 min 15 s
